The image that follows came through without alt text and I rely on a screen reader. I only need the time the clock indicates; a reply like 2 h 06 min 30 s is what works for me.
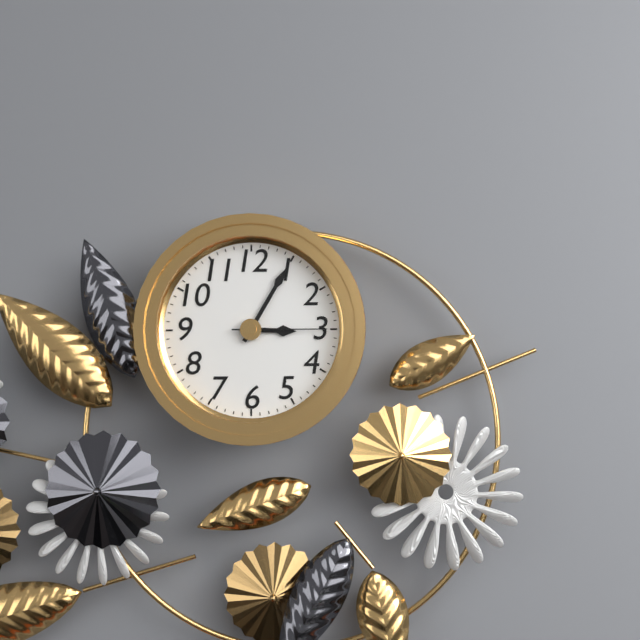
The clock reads 3 h 05 min 15 s
